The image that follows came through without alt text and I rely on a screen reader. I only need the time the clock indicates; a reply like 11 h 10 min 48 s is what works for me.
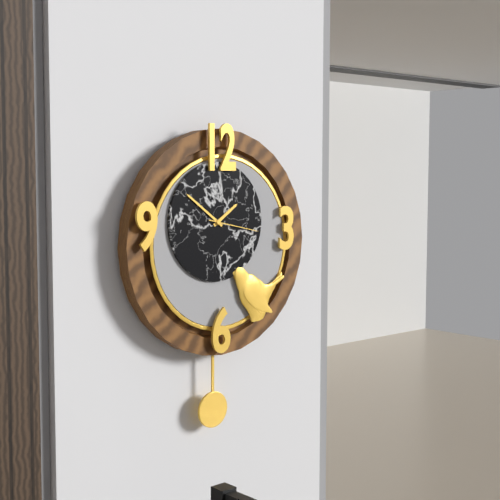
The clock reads 1 h 51 min 17 s
